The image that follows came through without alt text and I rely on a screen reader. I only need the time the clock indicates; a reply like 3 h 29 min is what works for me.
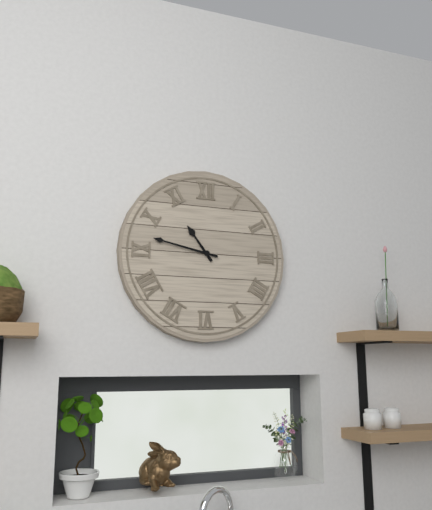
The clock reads 10 h 47 min
